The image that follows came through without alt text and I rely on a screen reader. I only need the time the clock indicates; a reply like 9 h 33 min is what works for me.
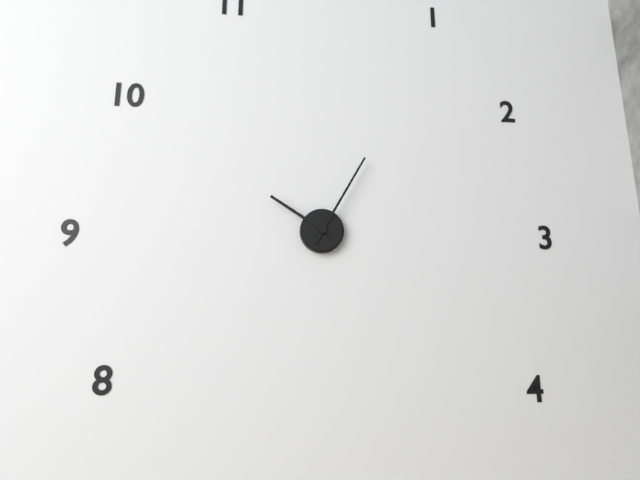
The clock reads 10 h 05 min
